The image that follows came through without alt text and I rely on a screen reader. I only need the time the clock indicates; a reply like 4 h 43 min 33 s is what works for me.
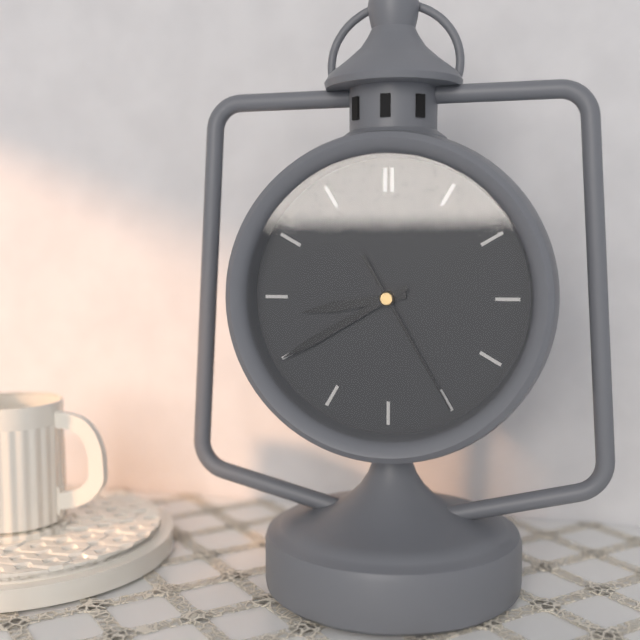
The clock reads 8 h 40 min 25 s
